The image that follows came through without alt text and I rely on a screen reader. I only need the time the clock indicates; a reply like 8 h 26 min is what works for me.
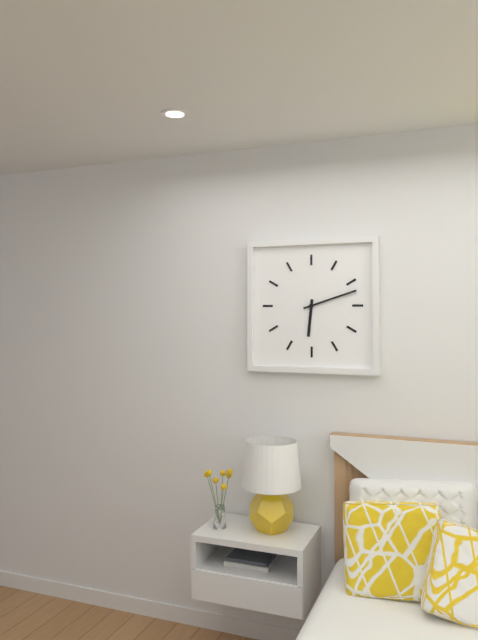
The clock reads 6 h 12 min
